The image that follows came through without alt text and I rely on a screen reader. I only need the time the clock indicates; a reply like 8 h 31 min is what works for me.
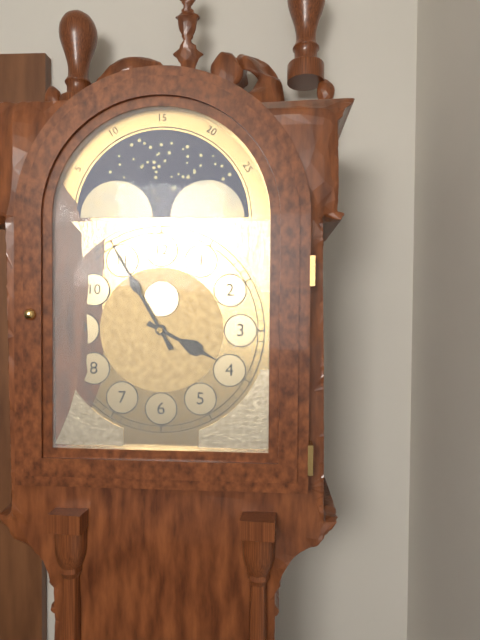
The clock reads 3 h 55 min
